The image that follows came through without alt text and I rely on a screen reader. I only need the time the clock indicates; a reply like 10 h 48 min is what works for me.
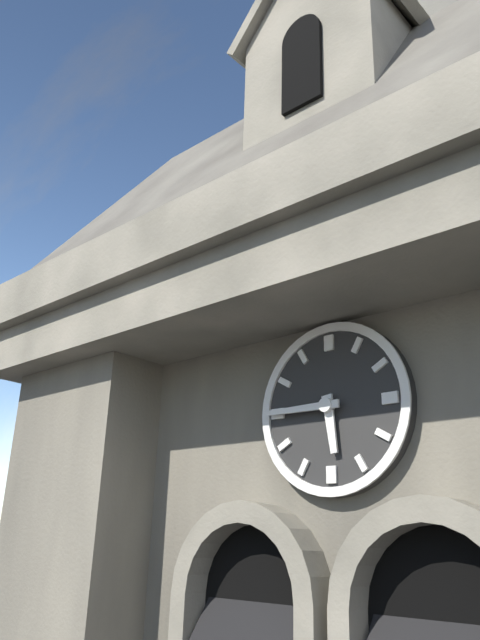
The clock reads 5 h 45 min
